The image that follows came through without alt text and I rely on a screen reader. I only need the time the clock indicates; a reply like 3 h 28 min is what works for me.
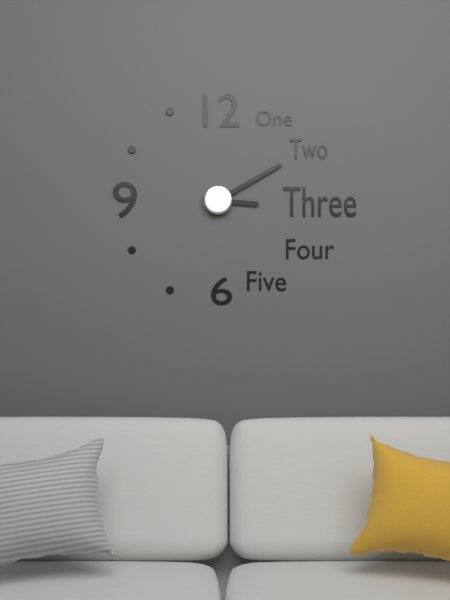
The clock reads 3 h 10 min
